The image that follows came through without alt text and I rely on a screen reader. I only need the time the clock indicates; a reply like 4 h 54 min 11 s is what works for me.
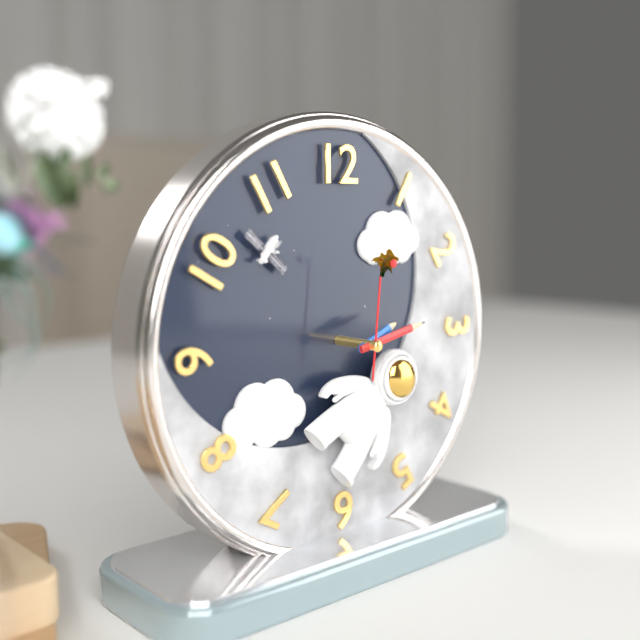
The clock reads 2 h 13 min 01 s
